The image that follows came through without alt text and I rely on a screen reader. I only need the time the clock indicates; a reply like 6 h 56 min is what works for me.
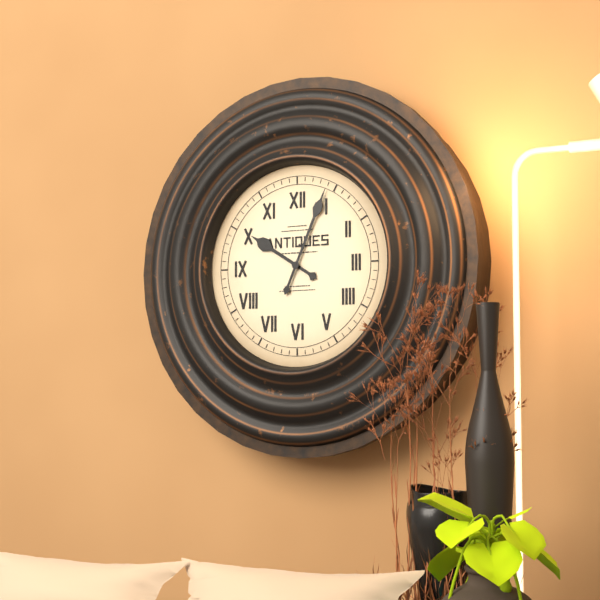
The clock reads 10 h 04 min
